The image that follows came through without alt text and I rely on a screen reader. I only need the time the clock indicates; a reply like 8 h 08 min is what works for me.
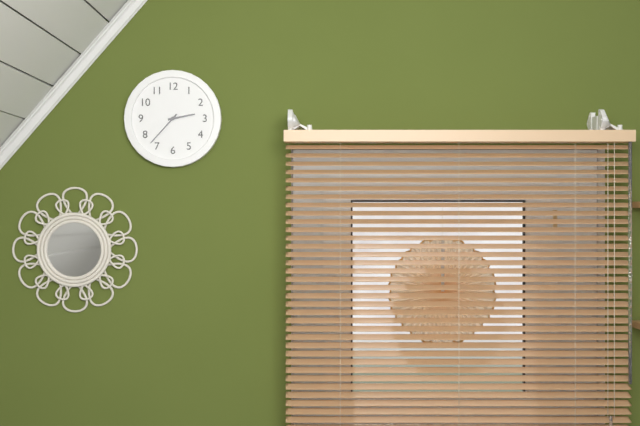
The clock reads 2 h 37 min
